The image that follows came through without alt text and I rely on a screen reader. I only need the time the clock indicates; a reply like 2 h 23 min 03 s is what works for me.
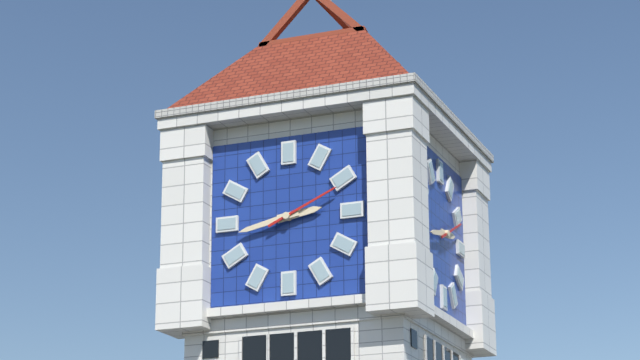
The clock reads 2 h 43 min 11 s
